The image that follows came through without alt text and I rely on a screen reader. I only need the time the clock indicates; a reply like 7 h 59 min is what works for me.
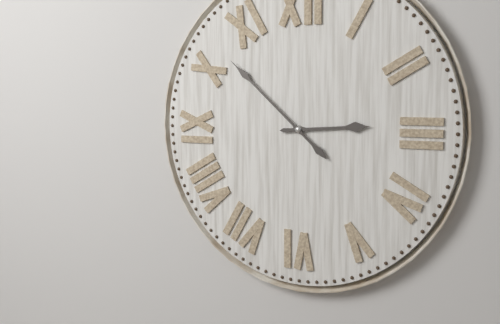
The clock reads 2 h 52 min
